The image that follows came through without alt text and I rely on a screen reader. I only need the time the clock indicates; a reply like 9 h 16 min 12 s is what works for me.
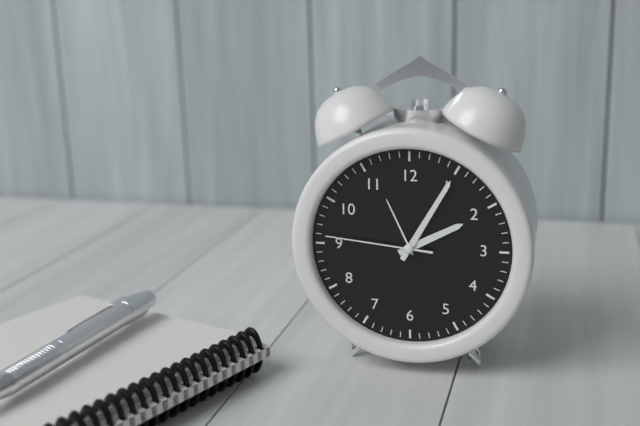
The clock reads 2 h 05 min 46 s
